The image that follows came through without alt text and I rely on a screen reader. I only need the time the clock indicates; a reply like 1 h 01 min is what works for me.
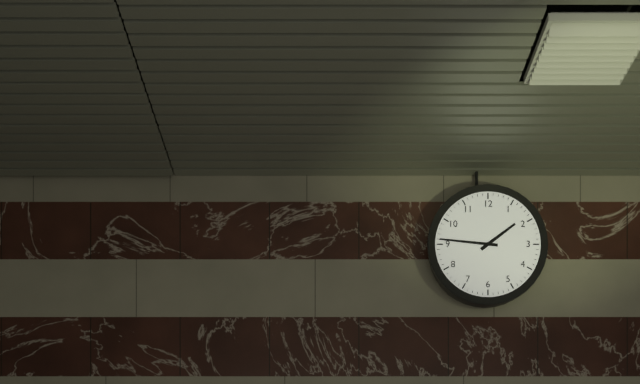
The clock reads 1 h 46 min
